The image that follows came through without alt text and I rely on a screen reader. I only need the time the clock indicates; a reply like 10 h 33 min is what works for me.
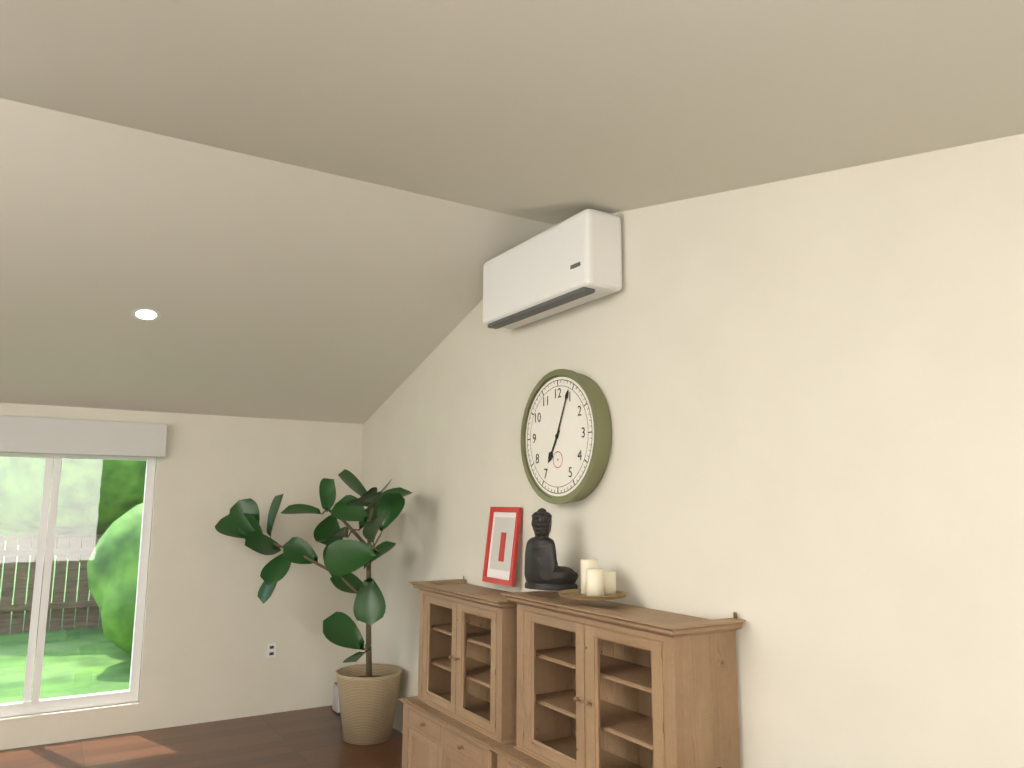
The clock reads 7 h 04 min
